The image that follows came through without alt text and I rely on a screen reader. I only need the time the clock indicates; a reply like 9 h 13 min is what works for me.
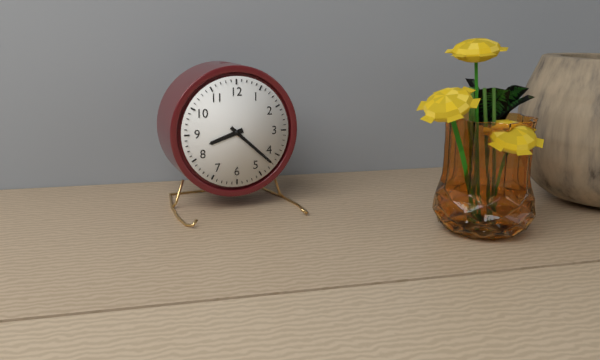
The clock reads 8 h 22 min
